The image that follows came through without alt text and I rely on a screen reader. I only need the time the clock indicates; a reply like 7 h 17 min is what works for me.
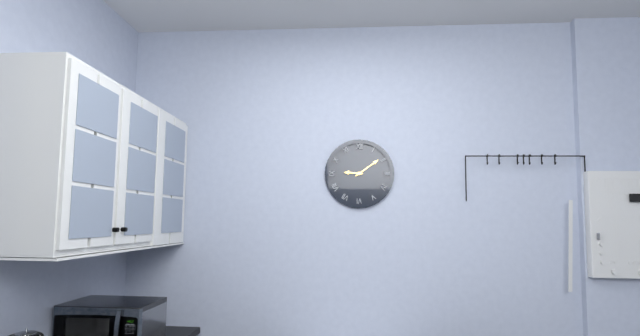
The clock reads 9 h 09 min
